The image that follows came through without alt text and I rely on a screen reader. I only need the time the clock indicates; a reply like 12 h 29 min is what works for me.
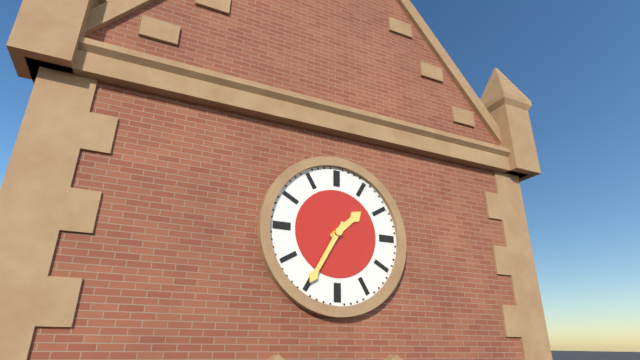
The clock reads 1 h 35 min
